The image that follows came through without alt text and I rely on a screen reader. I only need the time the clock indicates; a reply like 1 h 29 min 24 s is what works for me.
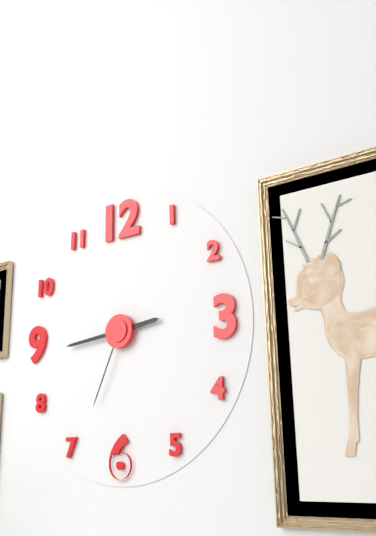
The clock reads 2 h 44 min 34 s
